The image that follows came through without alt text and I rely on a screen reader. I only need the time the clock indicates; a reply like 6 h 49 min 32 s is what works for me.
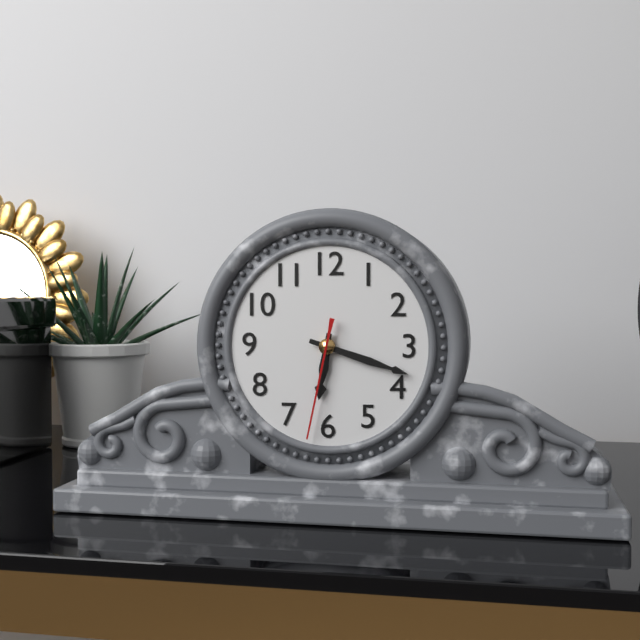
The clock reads 6 h 18 min 32 s
